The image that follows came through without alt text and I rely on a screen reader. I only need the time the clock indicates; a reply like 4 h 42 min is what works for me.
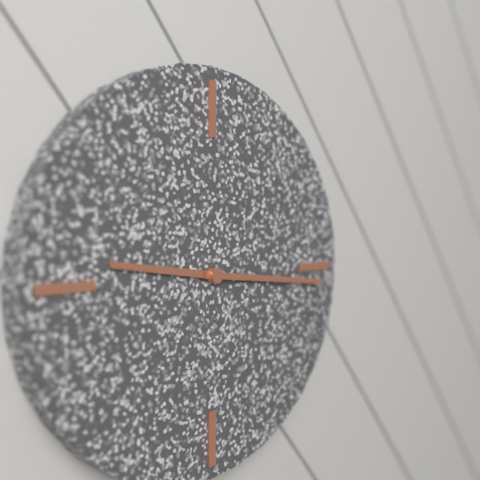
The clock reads 9 h 16 min
